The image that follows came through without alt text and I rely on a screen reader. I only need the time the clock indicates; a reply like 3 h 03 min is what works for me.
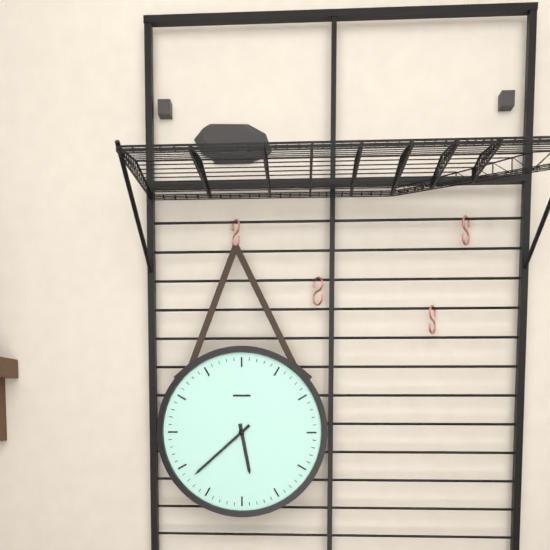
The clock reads 5 h 38 min
